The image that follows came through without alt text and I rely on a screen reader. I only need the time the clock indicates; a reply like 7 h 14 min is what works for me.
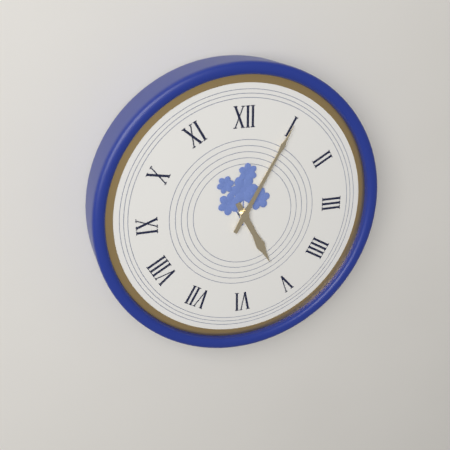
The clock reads 5 h 05 min
